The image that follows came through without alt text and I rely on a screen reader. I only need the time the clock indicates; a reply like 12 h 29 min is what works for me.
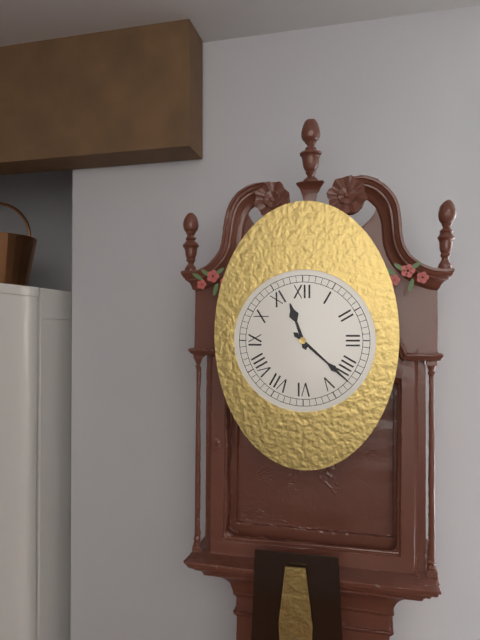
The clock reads 11 h 22 min
